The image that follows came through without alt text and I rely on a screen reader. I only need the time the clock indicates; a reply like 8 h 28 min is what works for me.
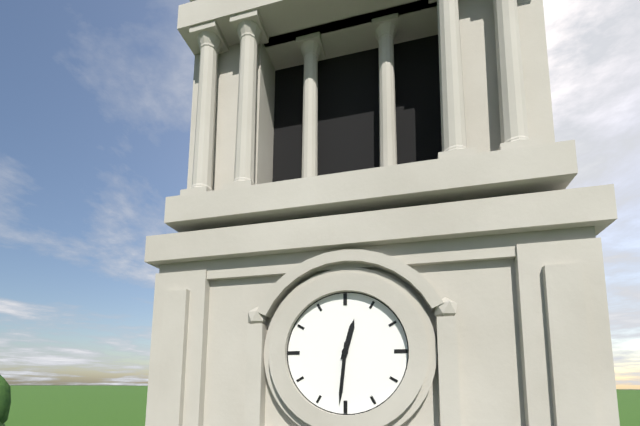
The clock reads 12 h 31 min
